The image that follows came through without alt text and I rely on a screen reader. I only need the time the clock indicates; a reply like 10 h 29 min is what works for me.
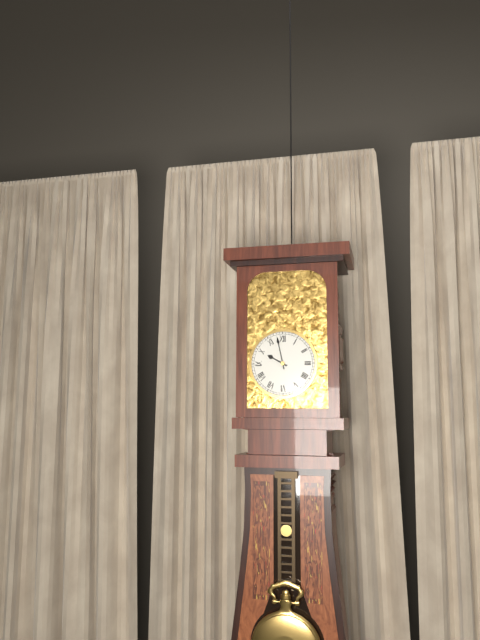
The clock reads 9 h 58 min
